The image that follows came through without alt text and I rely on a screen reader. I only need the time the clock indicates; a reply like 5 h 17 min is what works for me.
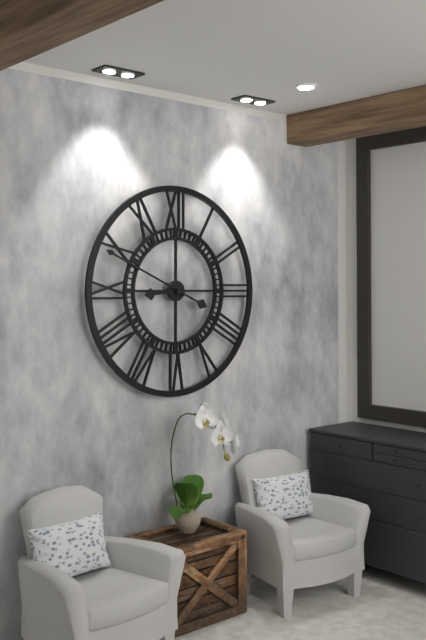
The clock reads 8 h 49 min
